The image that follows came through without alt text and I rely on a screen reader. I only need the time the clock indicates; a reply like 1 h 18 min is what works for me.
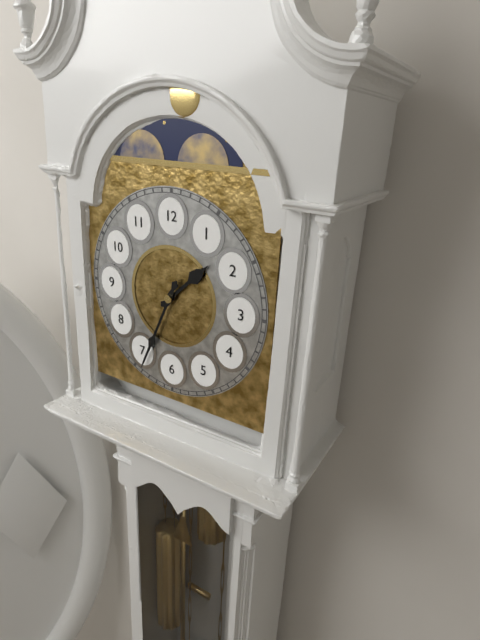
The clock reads 1 h 34 min
